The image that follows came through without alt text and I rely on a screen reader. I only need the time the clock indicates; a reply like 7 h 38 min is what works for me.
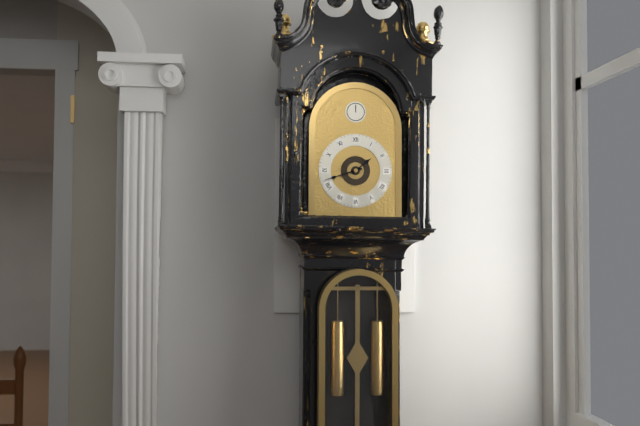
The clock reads 1 h 42 min
